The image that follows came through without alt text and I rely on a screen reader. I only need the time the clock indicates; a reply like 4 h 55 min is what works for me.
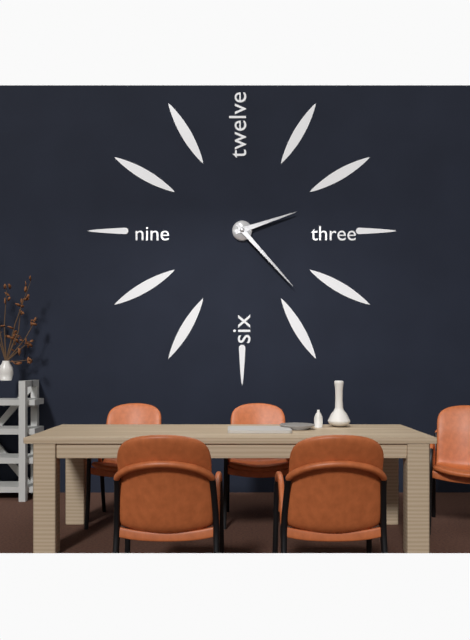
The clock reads 2 h 23 min
